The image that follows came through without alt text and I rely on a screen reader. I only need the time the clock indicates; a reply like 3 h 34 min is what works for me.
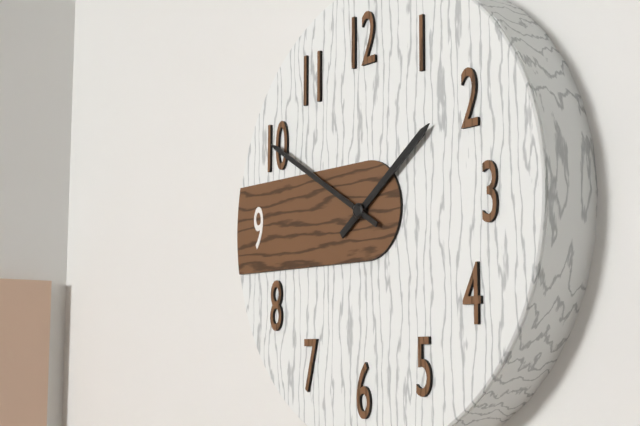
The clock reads 1 h 50 min
